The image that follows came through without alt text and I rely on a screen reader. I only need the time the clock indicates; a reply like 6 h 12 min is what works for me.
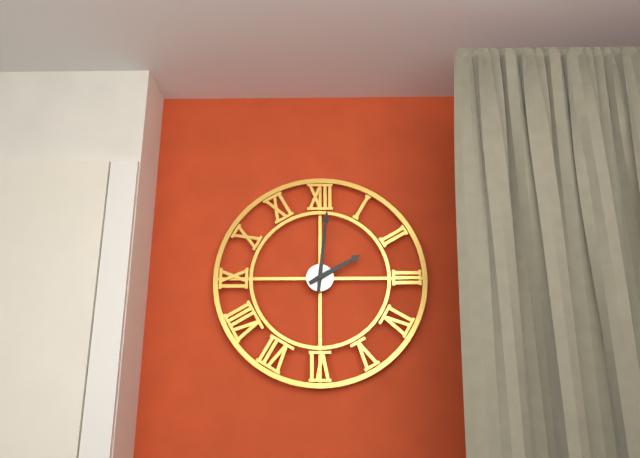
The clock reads 2 h 01 min
